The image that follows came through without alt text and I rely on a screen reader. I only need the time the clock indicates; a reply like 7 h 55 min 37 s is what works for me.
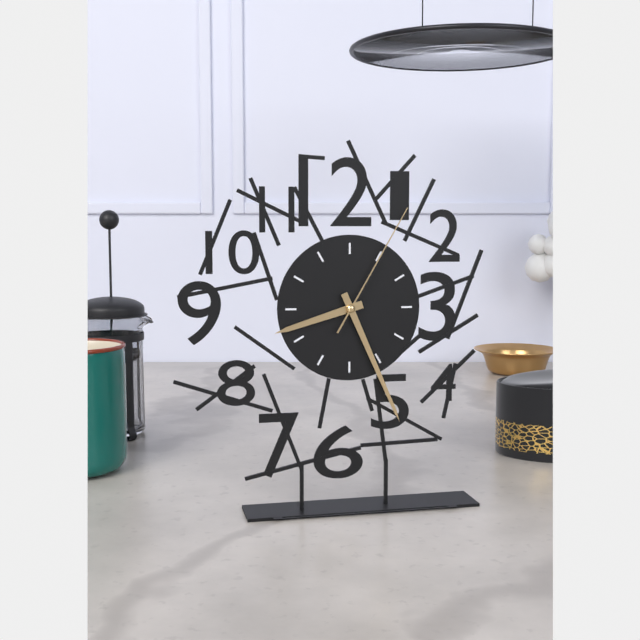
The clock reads 8 h 26 min 05 s
